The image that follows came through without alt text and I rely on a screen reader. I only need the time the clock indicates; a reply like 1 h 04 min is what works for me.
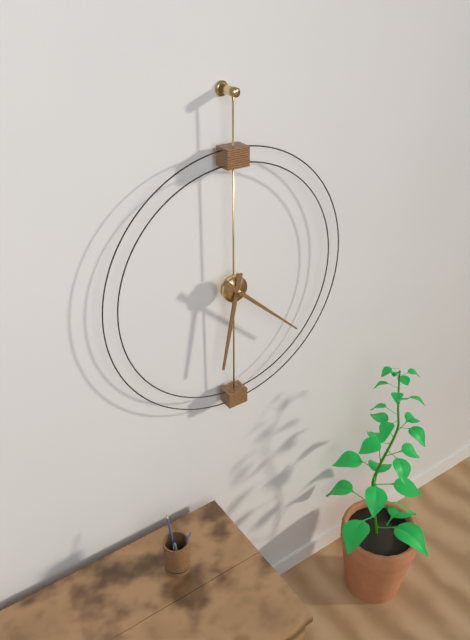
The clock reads 6 h 22 min
